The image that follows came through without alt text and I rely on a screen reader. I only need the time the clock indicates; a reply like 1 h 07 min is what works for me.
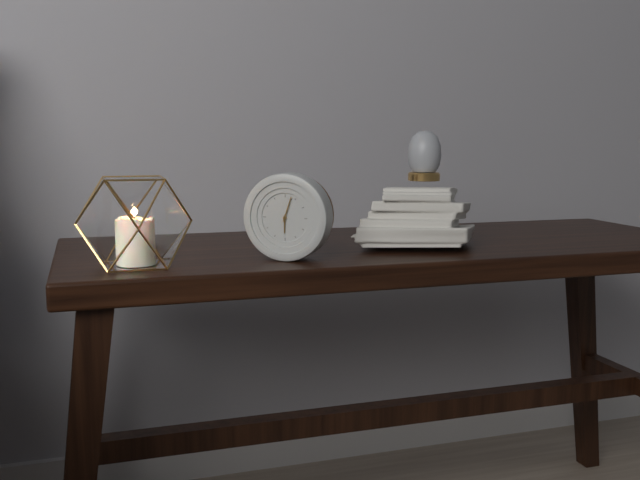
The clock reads 6 h 03 min
